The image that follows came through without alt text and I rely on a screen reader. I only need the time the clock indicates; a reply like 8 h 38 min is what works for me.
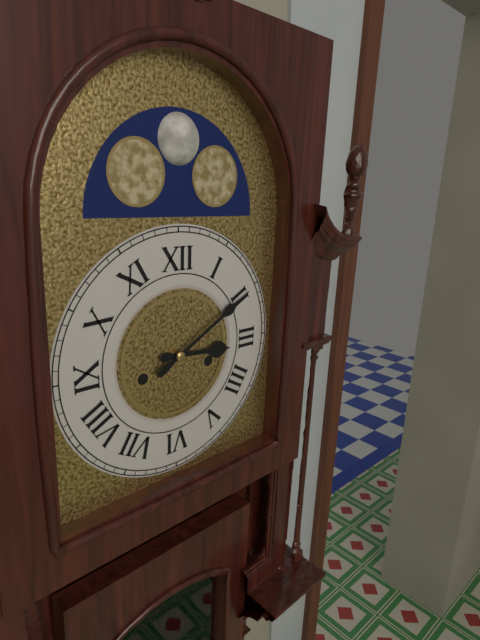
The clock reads 3 h 10 min
